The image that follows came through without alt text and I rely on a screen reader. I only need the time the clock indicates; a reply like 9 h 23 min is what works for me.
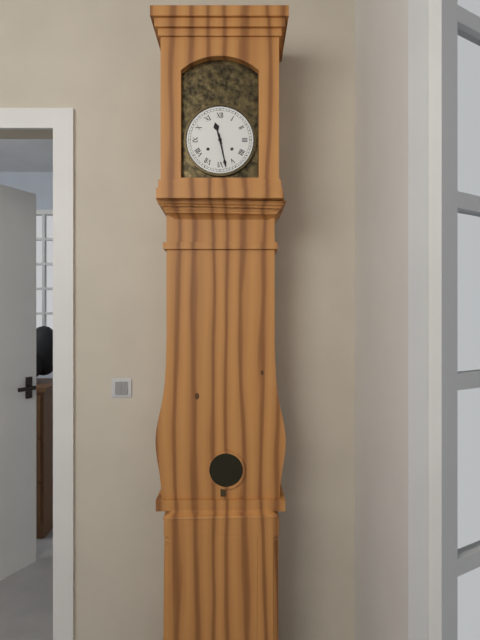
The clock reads 11 h 28 min
